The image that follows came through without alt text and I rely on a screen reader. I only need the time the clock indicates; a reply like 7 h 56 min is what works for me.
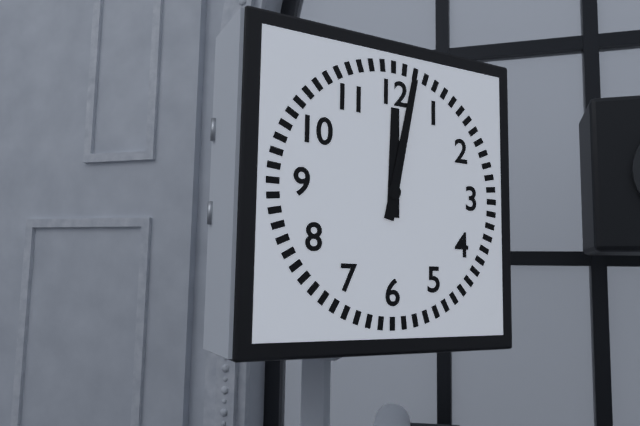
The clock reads 12 h 02 min
